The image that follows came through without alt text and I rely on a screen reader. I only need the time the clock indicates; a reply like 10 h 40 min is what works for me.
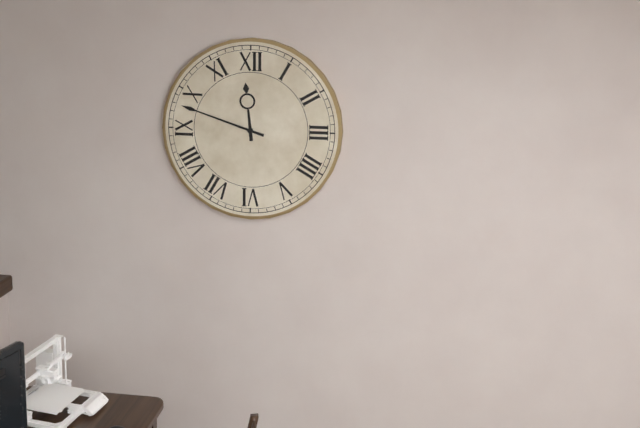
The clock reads 11 h 48 min
